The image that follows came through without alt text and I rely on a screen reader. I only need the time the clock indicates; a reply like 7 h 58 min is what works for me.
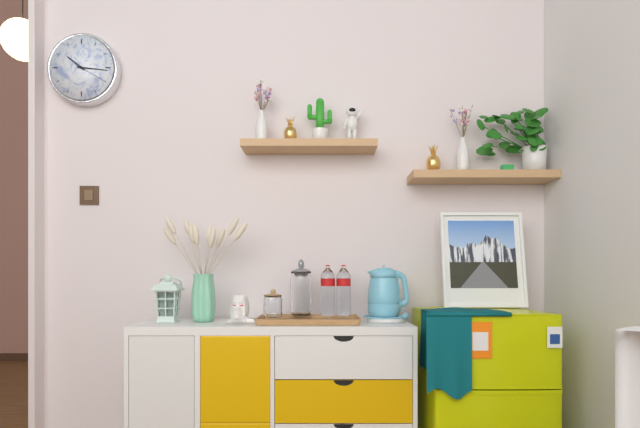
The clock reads 10 h 16 min
